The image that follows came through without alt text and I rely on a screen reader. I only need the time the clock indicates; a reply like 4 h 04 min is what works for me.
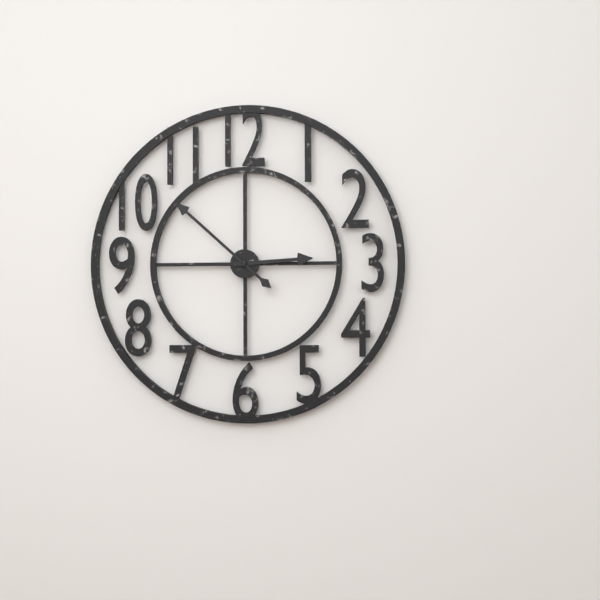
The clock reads 2 h 52 min
